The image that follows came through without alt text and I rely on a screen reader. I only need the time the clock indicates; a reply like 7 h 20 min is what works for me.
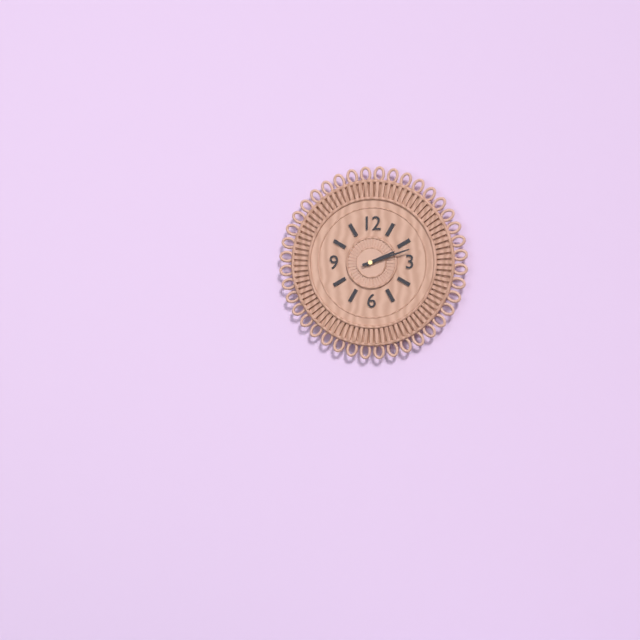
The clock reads 2 h 12 min
